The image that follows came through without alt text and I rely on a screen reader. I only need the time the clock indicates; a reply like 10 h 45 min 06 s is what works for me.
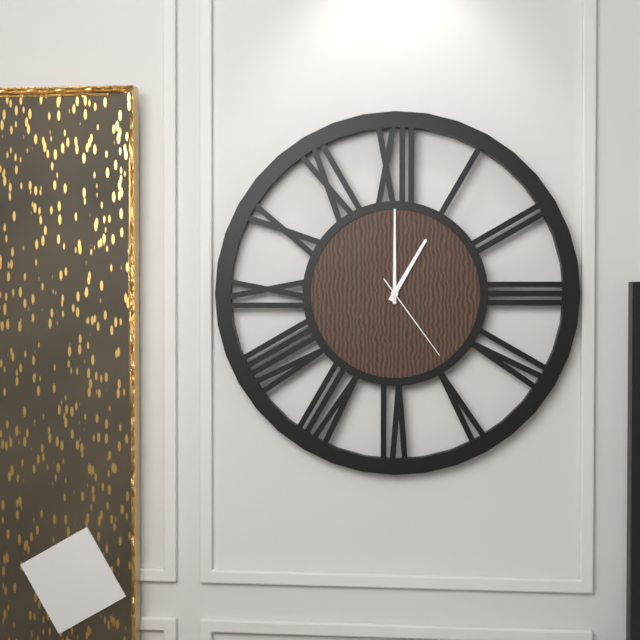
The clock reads 1 h 00 min 24 s
